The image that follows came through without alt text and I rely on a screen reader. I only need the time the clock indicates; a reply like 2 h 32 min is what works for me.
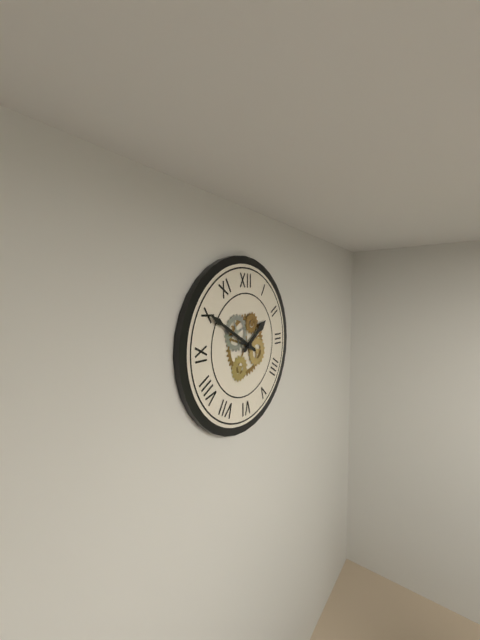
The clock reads 1 h 50 min
